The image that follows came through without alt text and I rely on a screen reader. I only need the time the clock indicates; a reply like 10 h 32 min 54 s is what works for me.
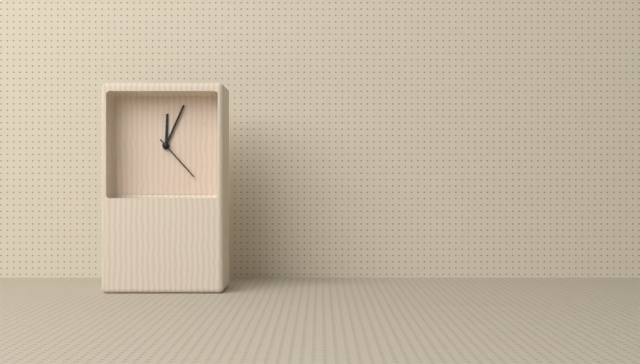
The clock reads 12 h 04 min 23 s
